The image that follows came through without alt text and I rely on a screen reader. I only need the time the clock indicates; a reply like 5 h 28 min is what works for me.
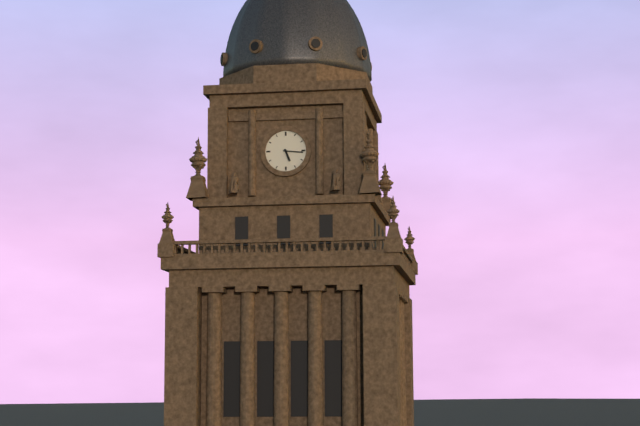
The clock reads 5 h 16 min
